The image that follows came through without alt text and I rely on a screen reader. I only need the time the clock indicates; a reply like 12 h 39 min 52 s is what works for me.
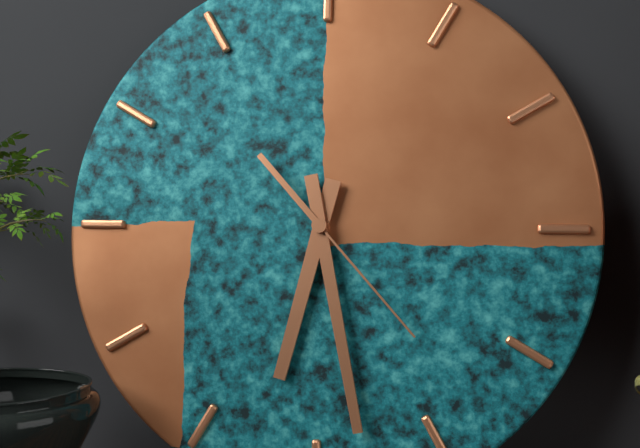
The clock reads 6 h 28 min 23 s
